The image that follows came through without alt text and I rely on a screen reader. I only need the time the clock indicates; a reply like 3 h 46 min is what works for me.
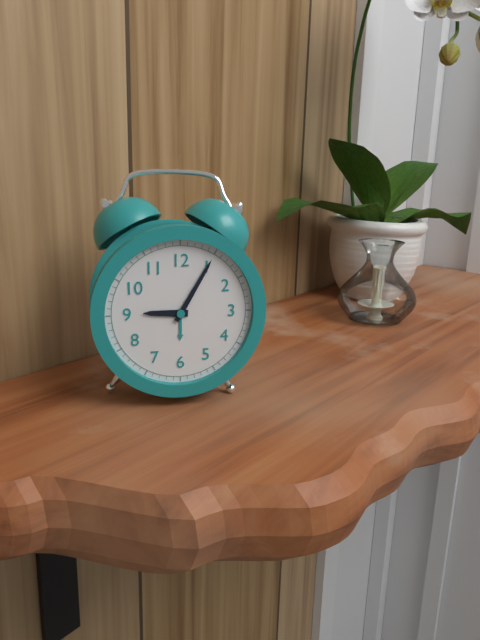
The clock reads 9 h 05 min
